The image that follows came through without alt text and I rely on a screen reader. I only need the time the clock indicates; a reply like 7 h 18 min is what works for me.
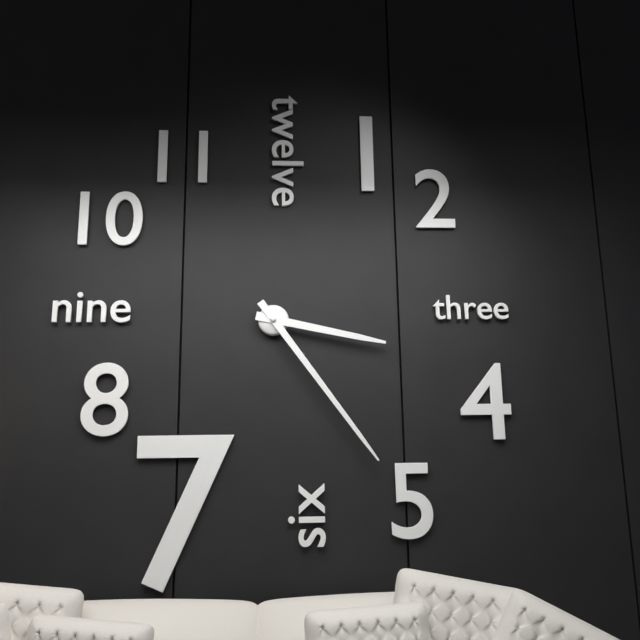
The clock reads 3 h 24 min
